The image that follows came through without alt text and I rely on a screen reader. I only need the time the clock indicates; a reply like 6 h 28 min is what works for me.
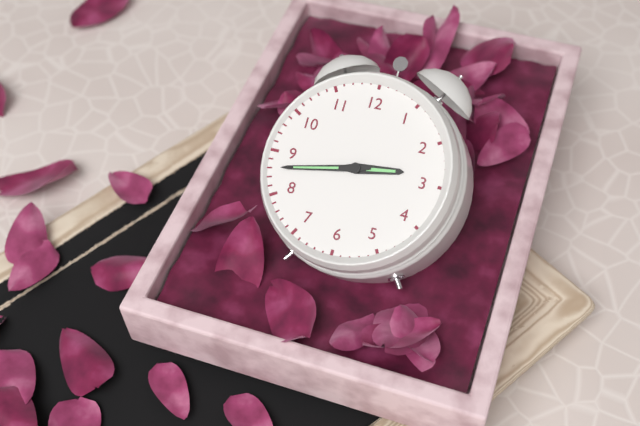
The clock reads 2 h 43 min
